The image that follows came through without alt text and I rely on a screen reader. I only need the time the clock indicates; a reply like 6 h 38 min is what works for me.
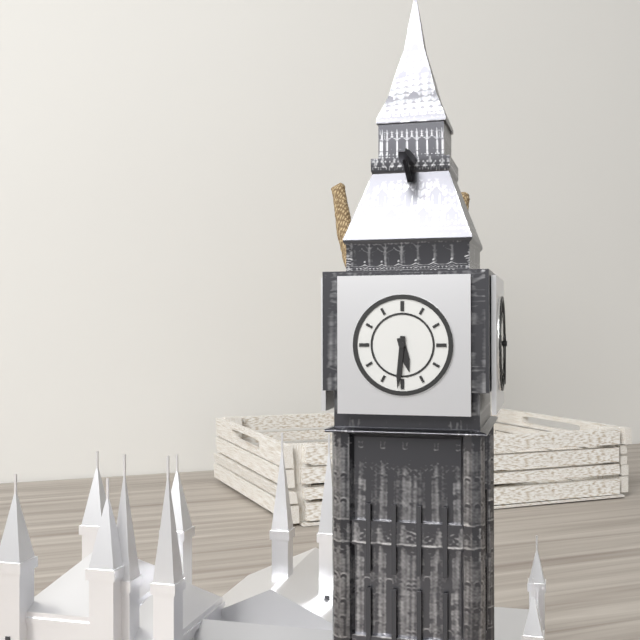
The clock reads 5 h 31 min
